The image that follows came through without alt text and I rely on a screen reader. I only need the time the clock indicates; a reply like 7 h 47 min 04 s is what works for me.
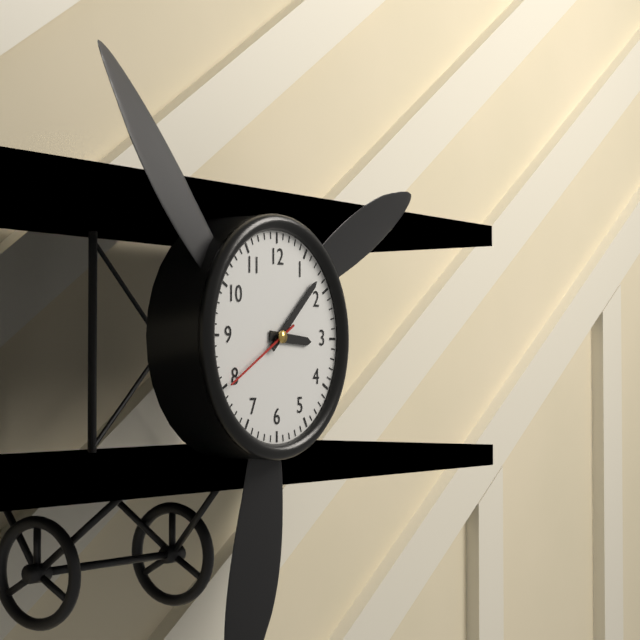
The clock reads 3 h 08 min 40 s
